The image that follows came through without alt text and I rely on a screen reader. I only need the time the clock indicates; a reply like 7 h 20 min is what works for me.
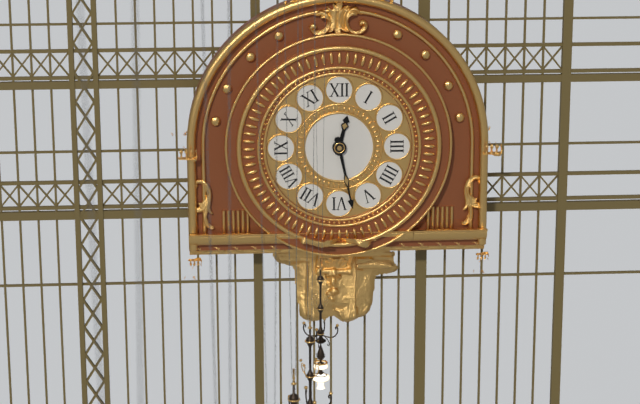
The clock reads 12 h 28 min
